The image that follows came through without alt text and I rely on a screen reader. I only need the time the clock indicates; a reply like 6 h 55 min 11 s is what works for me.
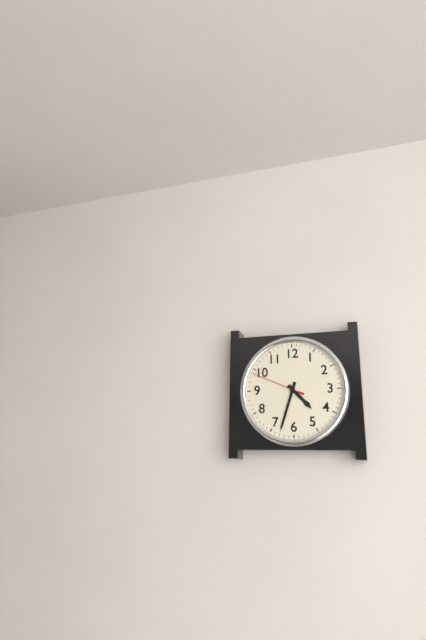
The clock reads 4 h 33 min 49 s
